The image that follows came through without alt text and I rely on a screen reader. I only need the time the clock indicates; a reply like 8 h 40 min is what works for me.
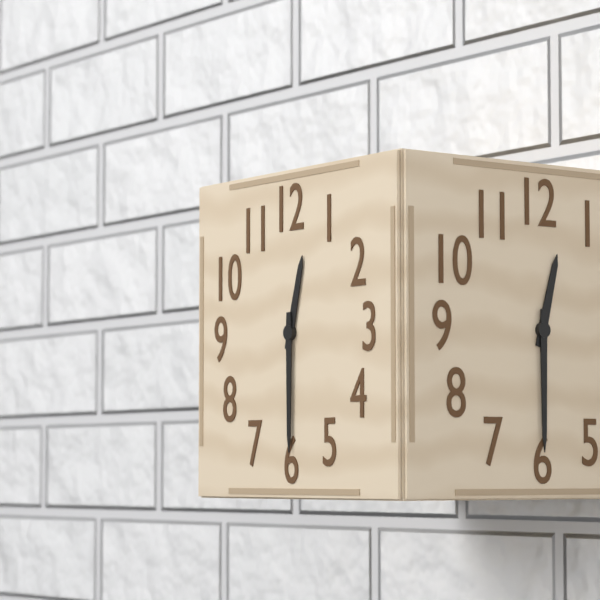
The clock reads 12 h 30 min
